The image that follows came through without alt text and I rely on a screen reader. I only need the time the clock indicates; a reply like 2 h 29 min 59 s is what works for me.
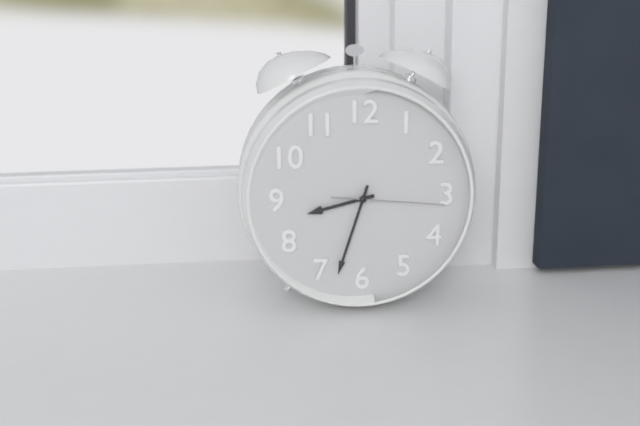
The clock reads 8 h 33 min 16 s
